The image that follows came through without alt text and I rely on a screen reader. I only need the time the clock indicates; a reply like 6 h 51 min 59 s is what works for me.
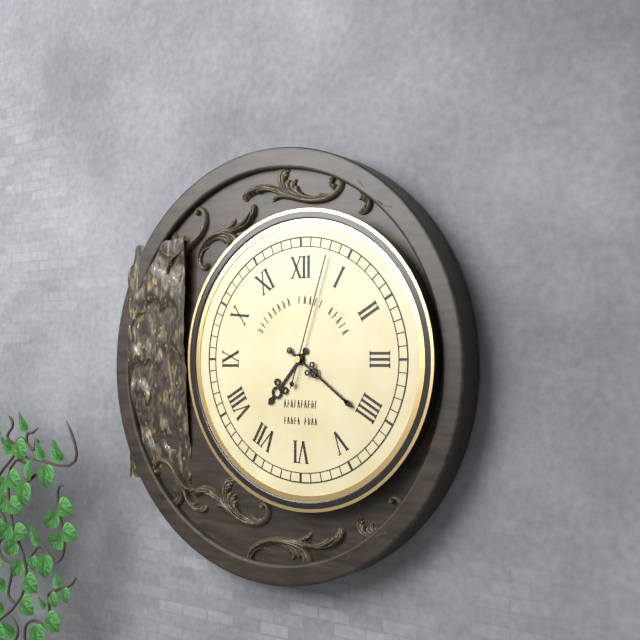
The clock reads 7 h 21 min 03 s
